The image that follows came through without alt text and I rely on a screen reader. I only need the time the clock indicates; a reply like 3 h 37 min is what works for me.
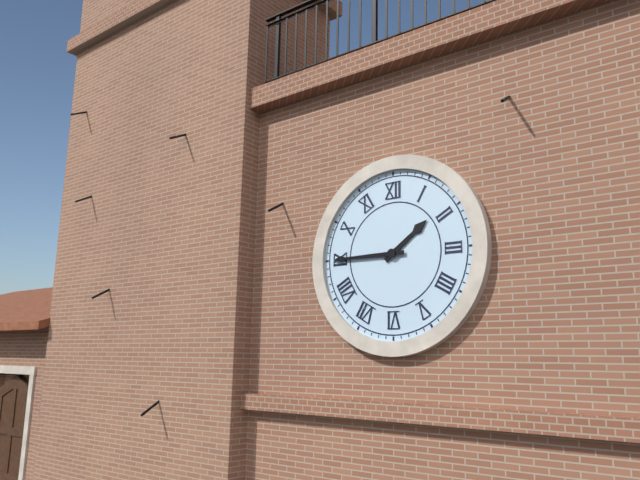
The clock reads 1 h 45 min
